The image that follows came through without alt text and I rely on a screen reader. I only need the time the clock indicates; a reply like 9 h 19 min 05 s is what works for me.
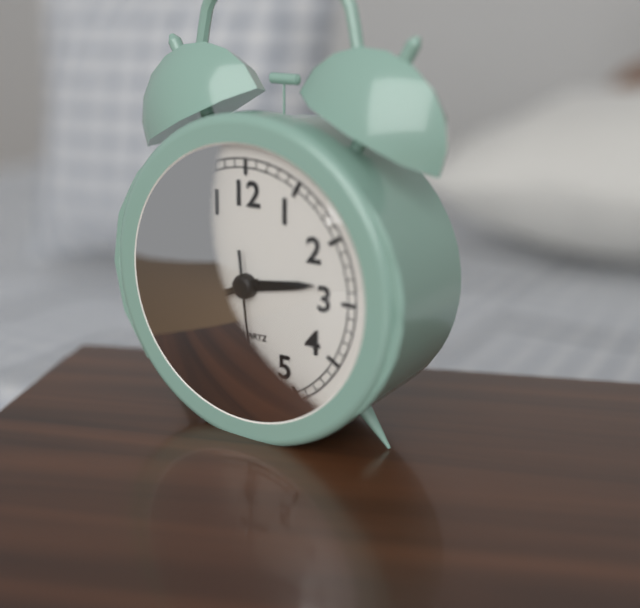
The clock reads 2 h 41 min 29 s
